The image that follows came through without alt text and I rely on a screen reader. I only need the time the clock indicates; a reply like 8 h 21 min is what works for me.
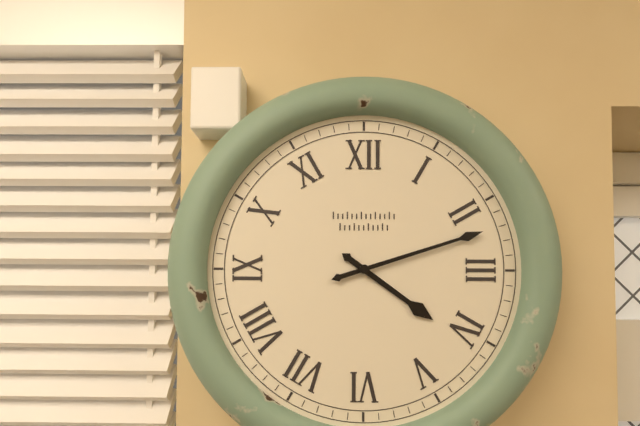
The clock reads 4 h 12 min
